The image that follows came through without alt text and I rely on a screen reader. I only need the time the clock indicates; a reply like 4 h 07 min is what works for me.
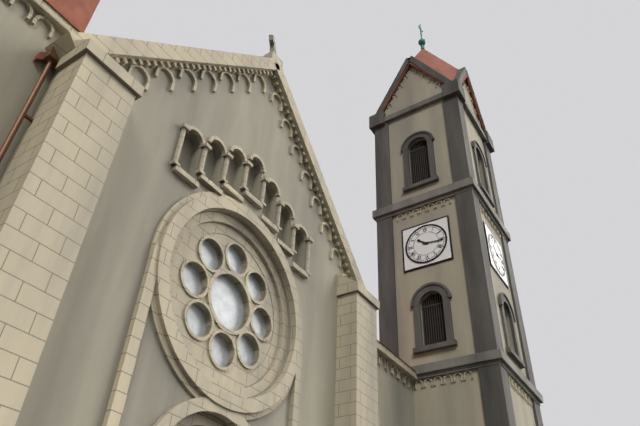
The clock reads 10 h 16 min
